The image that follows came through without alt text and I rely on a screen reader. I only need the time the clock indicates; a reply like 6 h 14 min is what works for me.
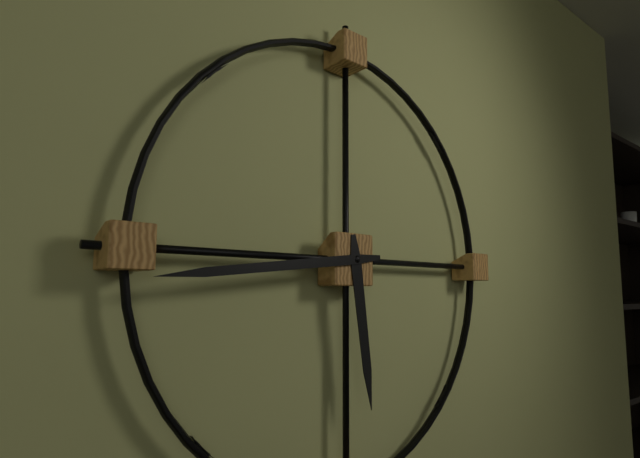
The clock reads 5 h 44 min
